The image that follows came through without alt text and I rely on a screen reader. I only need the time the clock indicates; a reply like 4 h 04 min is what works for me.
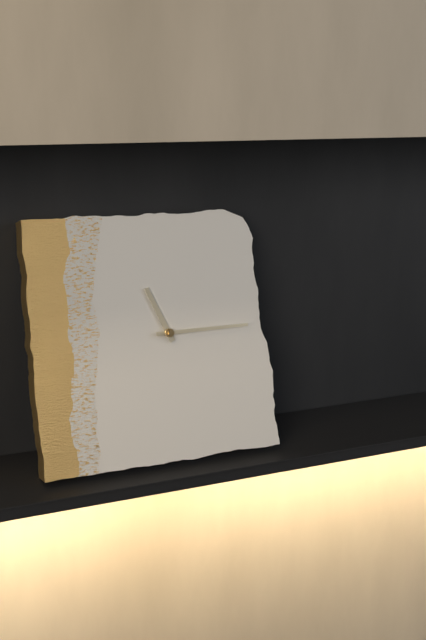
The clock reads 11 h 15 min
